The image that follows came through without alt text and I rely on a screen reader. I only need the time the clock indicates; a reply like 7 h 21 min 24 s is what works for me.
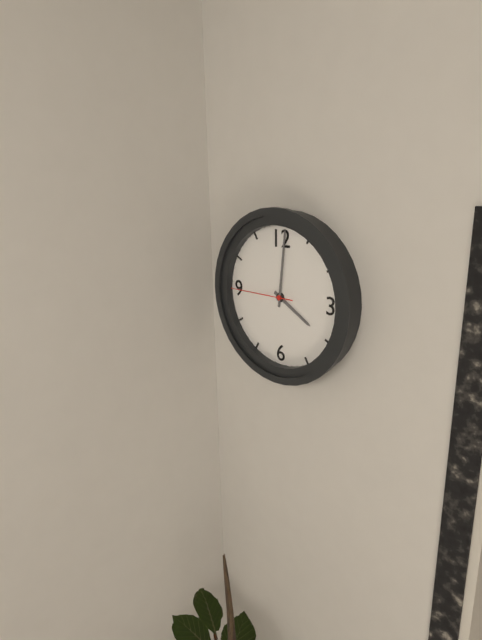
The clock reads 4 h 01 min 45 s
